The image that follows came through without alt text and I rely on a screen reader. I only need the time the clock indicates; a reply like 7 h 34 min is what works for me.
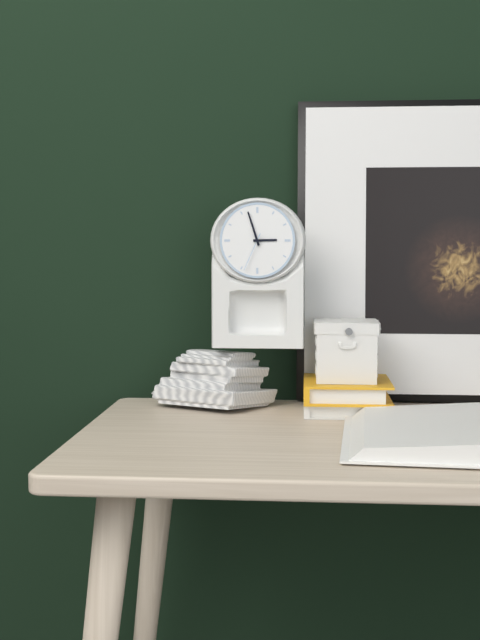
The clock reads 2 h 57 min
